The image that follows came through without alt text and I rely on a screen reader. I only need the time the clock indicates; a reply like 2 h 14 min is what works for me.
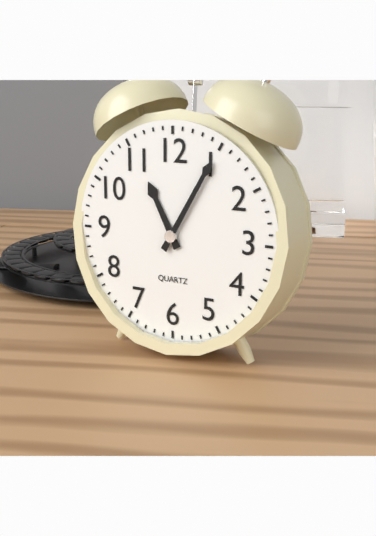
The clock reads 11 h 05 min
